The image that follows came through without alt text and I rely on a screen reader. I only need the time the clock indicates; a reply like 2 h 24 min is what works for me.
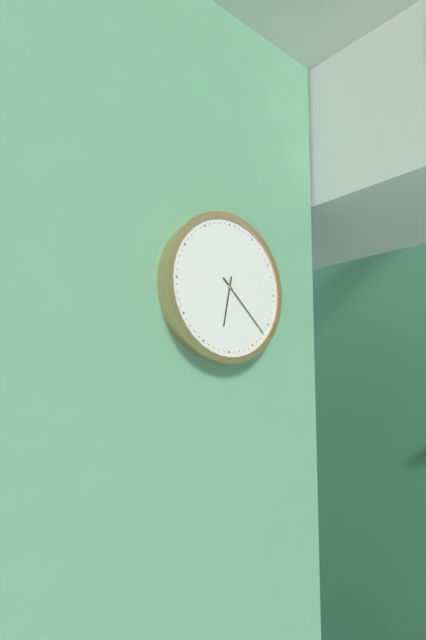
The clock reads 6 h 22 min
